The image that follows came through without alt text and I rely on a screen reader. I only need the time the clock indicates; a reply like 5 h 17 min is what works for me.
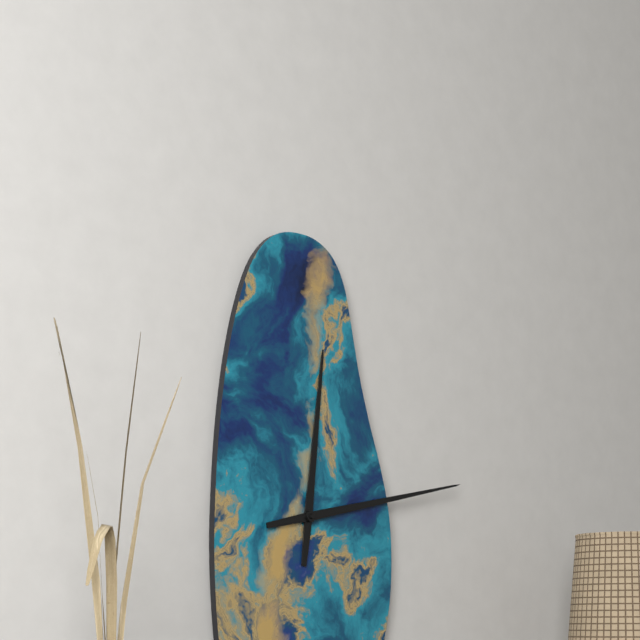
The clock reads 12 h 13 min
